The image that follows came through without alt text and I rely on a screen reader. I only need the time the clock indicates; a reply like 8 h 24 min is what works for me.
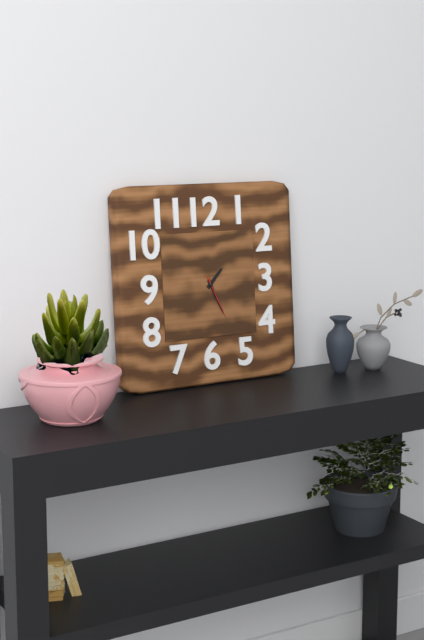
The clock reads 1 h 26 min
